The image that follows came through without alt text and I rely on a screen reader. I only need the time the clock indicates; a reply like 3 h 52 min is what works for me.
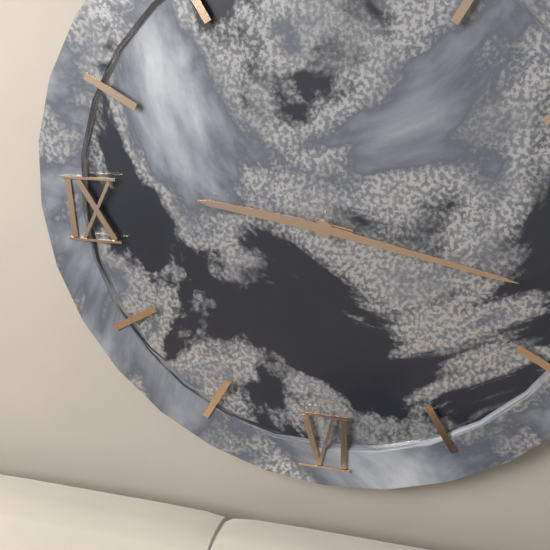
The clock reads 9 h 17 min
